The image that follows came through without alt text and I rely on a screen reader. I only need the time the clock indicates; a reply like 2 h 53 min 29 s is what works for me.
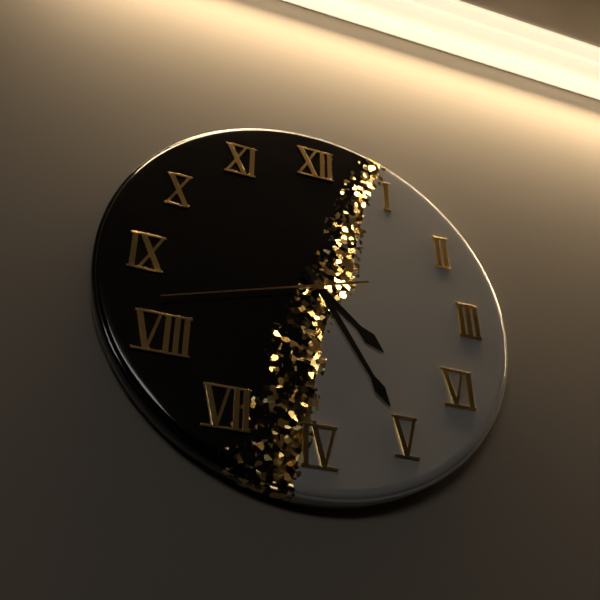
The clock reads 4 h 25 min 42 s
